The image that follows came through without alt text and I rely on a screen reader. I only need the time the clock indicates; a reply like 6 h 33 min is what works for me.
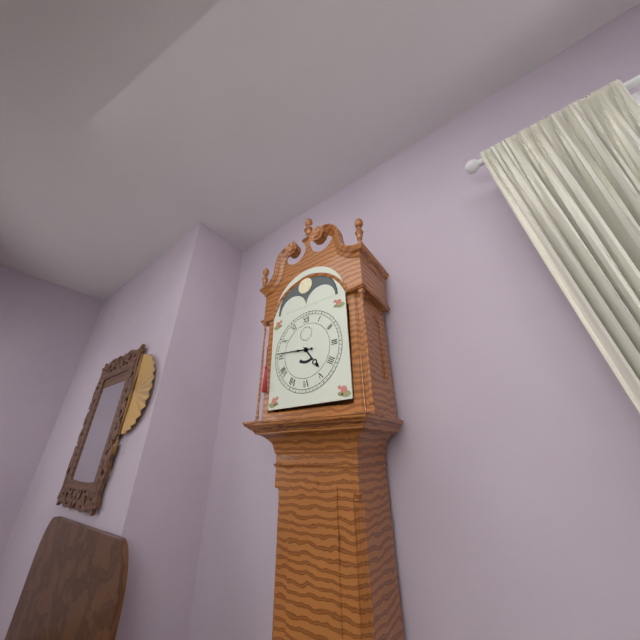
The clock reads 4 h 46 min
